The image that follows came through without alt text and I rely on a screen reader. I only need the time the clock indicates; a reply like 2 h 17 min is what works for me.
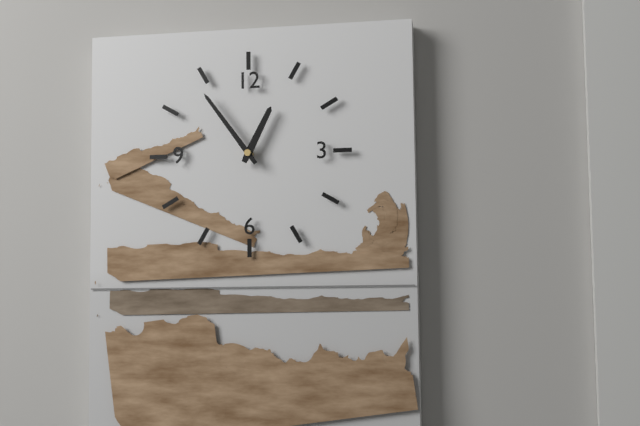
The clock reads 12 h 54 min
